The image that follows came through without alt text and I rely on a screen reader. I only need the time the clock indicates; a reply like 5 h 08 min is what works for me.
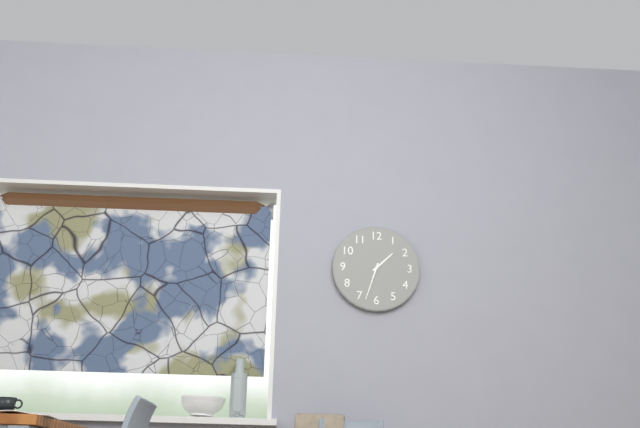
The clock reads 1 h 33 min
